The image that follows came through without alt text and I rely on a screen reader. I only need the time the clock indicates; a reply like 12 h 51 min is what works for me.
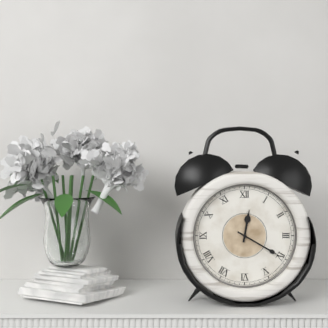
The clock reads 12 h 20 min
